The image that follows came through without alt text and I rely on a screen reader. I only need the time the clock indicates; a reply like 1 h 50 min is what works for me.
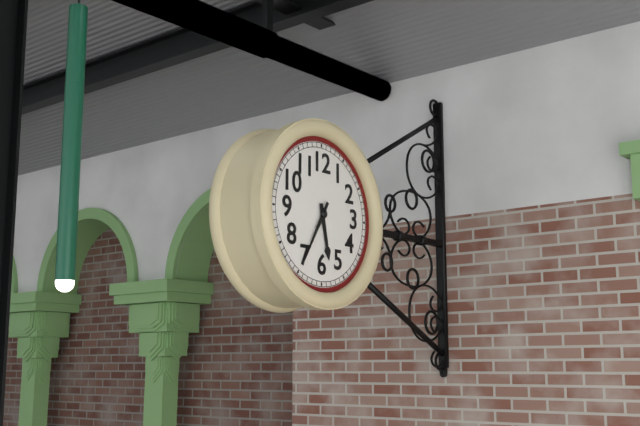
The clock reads 5 h 35 min
